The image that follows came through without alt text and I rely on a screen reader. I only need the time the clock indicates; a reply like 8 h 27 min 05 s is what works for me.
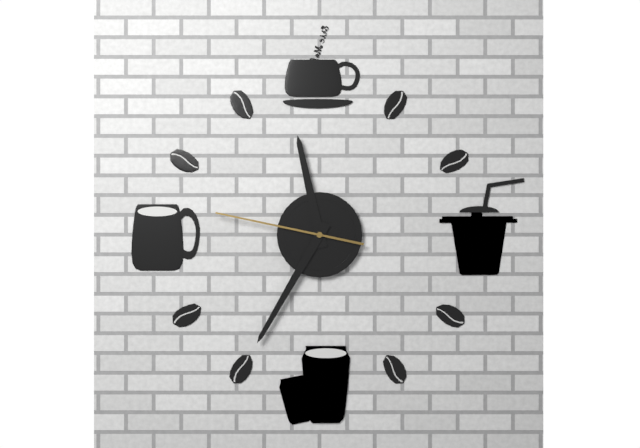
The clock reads 11 h 35 min 47 s
